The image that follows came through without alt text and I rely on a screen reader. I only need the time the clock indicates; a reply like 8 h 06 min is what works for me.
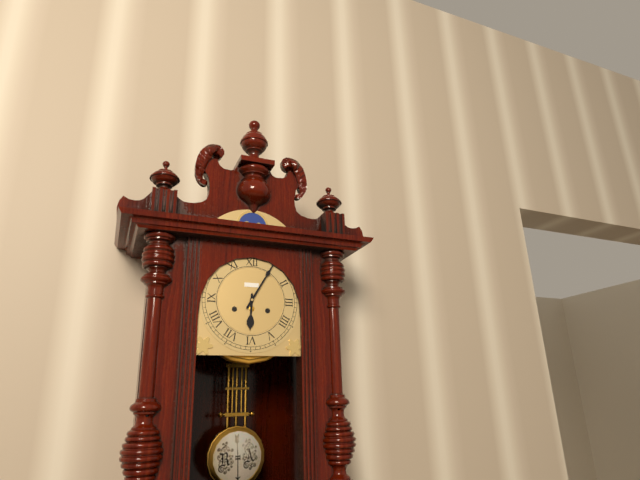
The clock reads 6 h 05 min
